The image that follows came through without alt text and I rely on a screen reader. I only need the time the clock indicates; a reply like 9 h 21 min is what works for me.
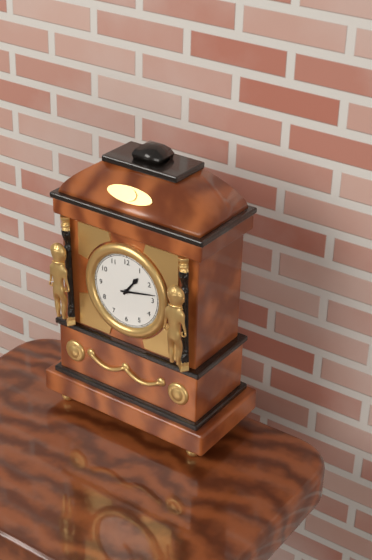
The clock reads 1 h 13 min
